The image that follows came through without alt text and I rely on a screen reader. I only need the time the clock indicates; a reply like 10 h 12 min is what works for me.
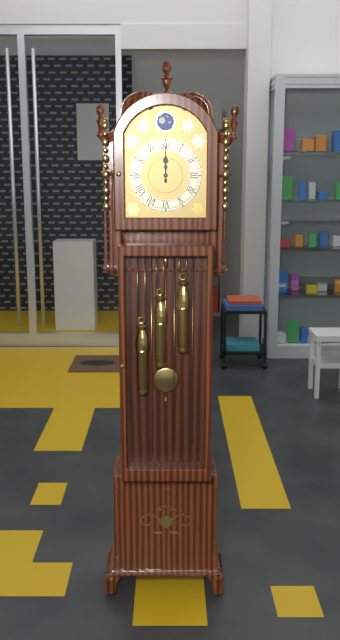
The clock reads 12 h 00 min
